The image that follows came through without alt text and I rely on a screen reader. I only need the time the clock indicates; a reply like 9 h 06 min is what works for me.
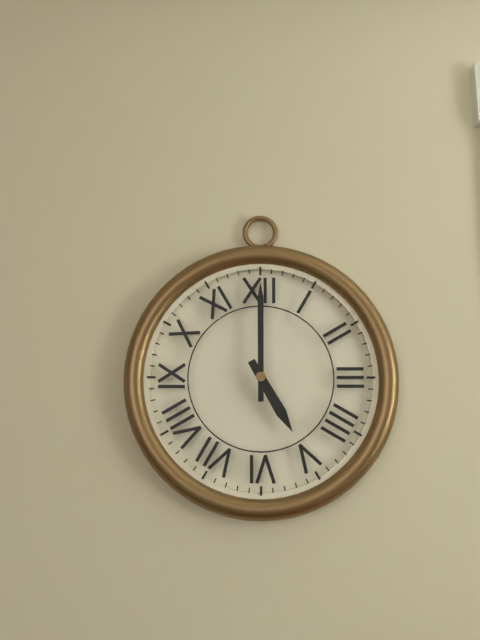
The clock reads 5 h 00 min
